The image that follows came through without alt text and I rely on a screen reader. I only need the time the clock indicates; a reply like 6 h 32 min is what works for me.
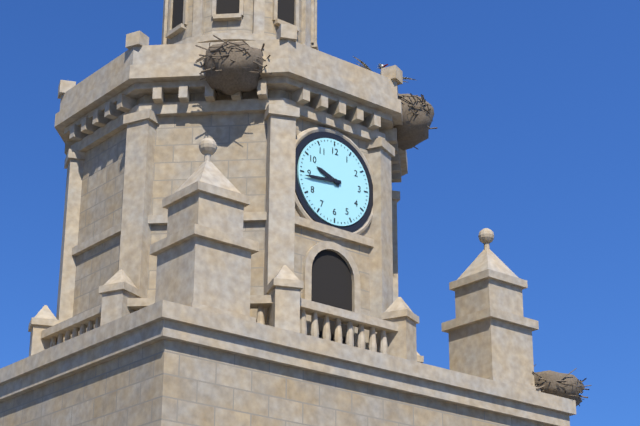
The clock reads 9 h 44 min
